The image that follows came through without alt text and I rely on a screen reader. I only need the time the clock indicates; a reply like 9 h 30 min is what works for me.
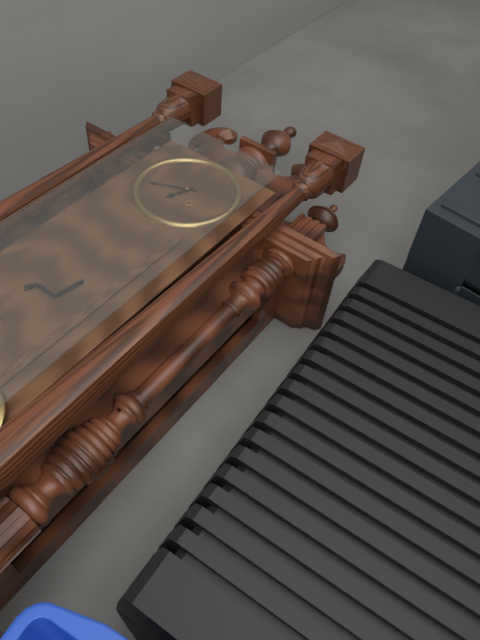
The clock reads 6 h 41 min
